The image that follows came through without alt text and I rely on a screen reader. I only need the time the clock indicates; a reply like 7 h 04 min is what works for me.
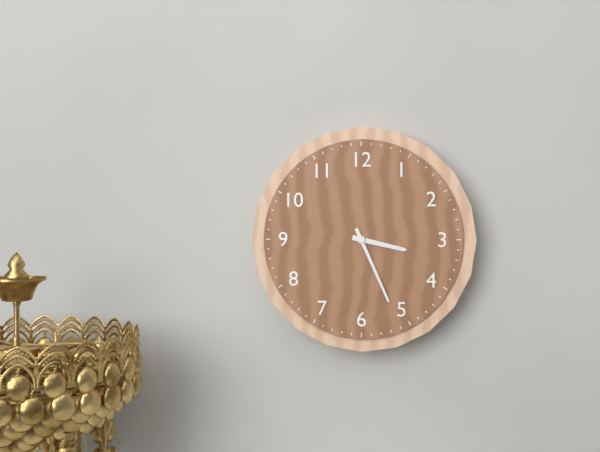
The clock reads 3 h 26 min
